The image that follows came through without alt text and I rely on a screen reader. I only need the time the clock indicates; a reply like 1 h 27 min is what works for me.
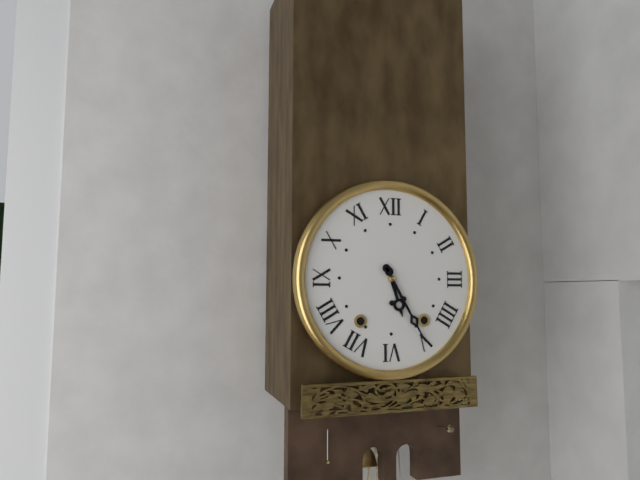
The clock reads 5 h 25 min
